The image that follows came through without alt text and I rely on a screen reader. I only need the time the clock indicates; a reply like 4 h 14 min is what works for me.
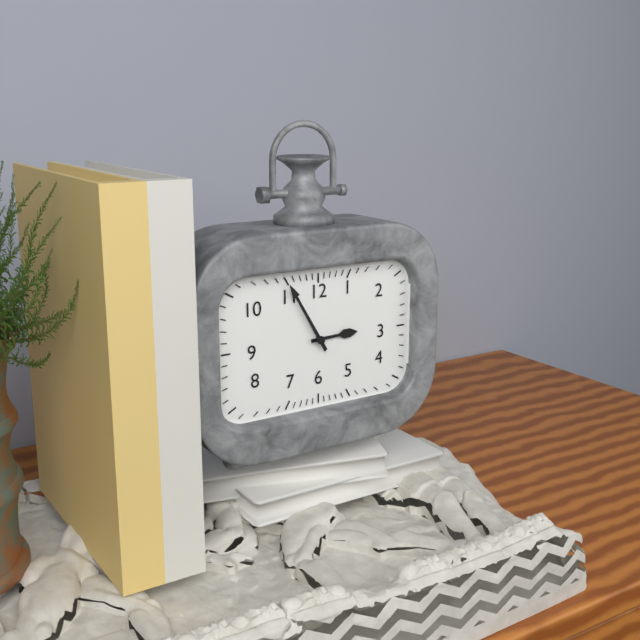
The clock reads 2 h 55 min
